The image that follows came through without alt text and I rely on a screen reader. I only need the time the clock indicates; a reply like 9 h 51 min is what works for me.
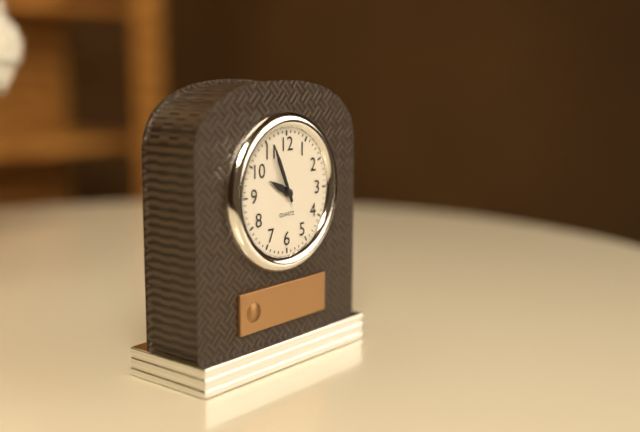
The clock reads 9 h 56 min
